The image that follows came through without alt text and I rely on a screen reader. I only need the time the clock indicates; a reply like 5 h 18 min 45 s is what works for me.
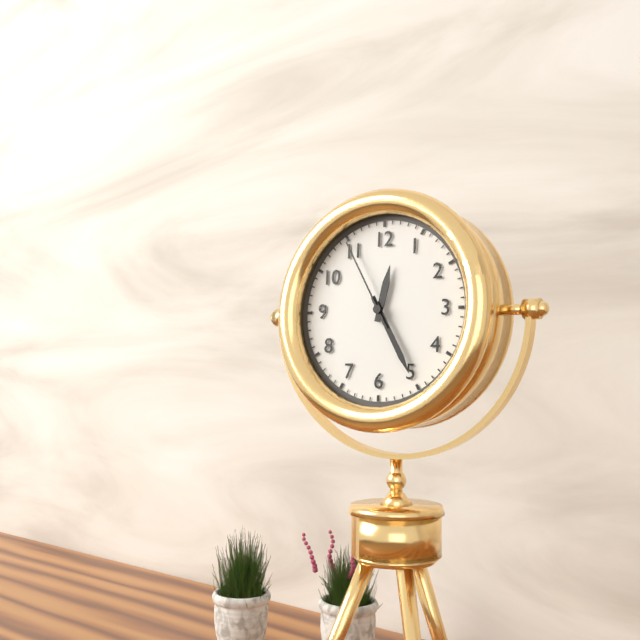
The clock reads 12 h 25 min 55 s
